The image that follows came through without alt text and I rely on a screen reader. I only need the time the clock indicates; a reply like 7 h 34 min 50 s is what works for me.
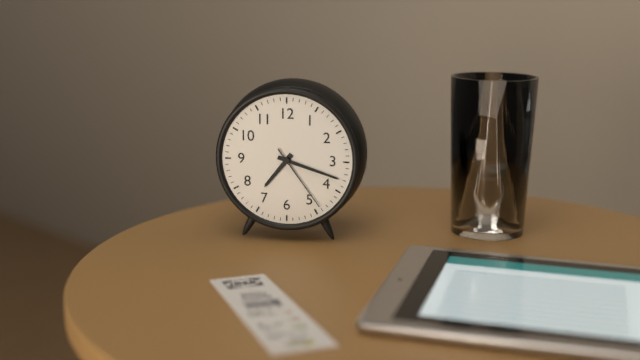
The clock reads 7 h 18 min 24 s
